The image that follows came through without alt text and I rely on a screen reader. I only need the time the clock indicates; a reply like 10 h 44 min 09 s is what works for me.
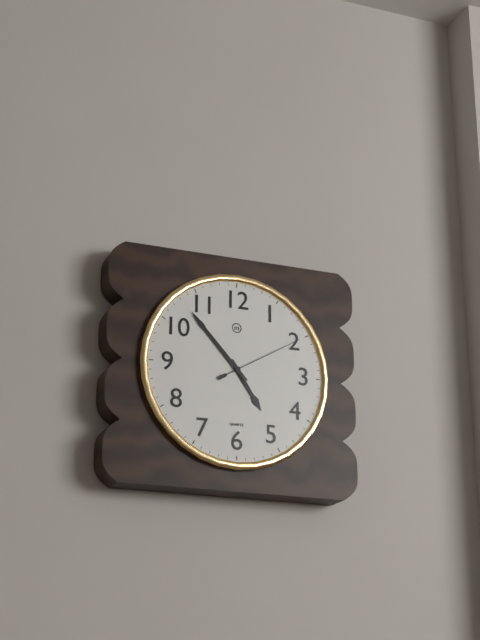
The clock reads 4 h 53 min 10 s
